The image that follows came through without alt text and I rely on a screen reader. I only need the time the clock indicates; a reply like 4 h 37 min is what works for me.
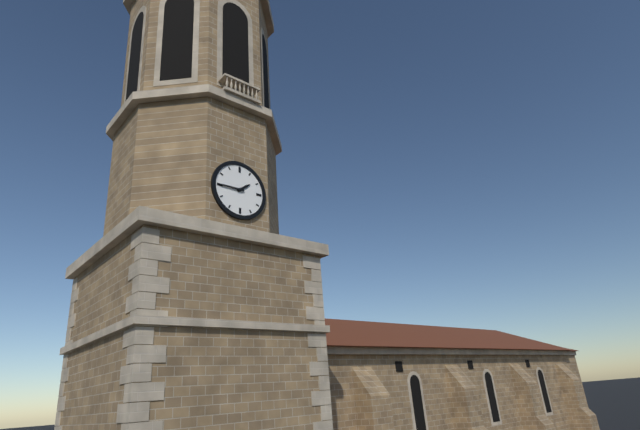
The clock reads 1 h 45 min
